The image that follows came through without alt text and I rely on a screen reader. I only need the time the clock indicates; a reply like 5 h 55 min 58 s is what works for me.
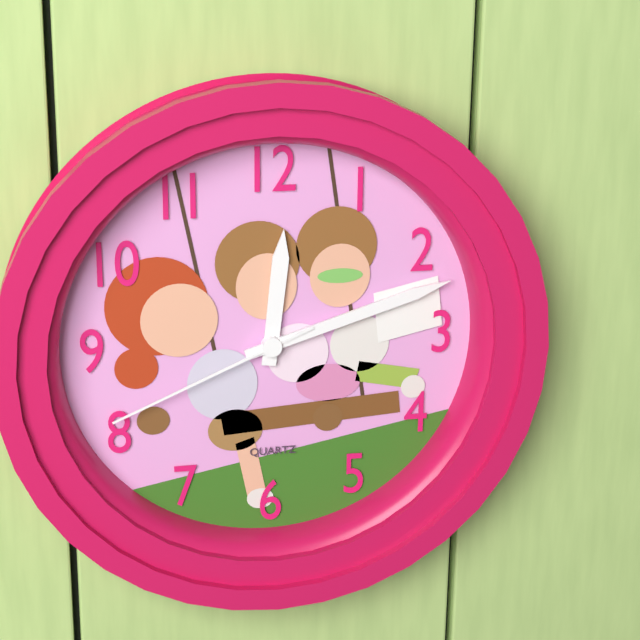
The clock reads 12 h 12 min 41 s
